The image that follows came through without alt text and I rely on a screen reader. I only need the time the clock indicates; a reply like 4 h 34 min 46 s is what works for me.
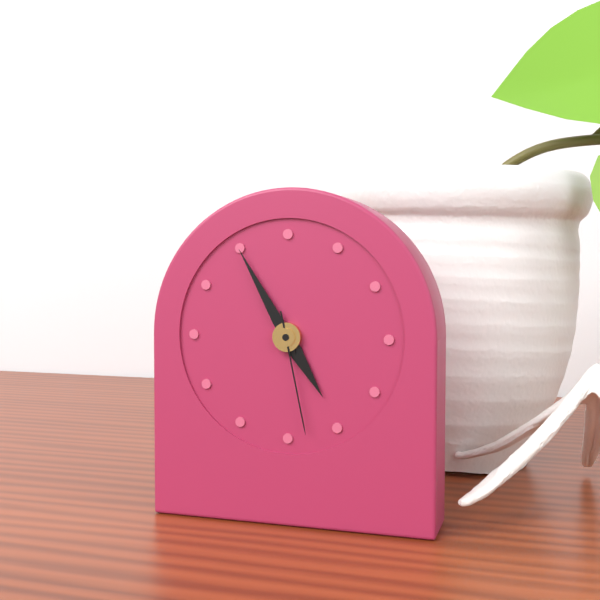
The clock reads 4 h 55 min 28 s
